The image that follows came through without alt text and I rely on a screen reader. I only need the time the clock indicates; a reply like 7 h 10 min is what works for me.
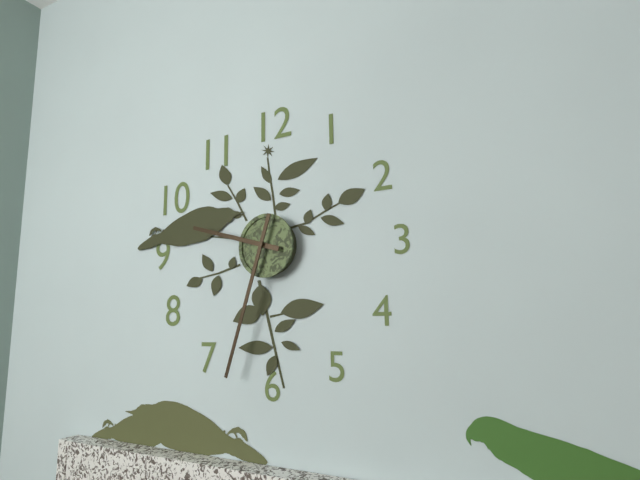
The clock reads 9 h 33 min
